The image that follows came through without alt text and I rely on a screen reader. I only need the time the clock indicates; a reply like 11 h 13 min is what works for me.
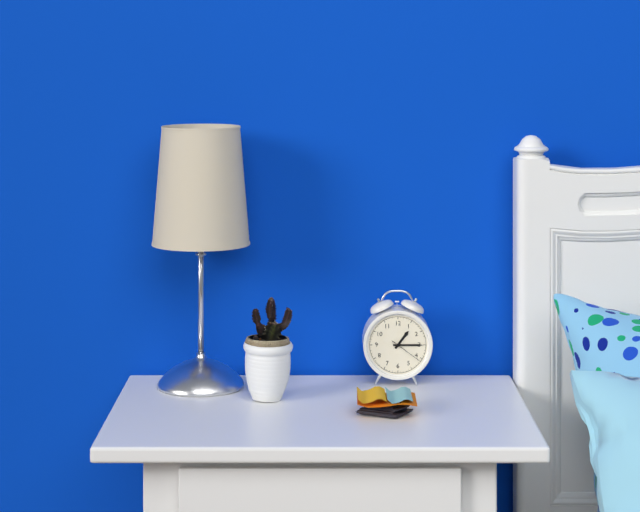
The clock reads 1 h 15 min
